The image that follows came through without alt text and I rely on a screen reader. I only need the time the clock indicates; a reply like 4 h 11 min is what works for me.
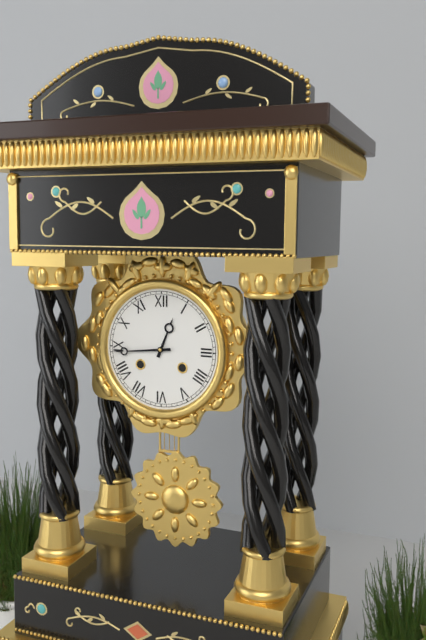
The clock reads 12 h 44 min
